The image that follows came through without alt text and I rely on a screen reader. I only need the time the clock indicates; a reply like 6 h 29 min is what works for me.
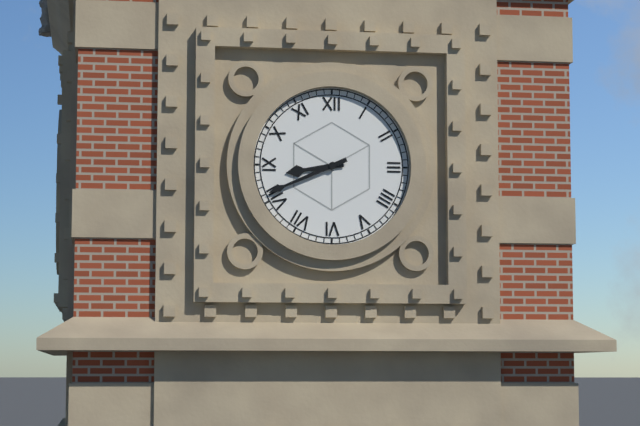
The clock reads 8 h 41 min
